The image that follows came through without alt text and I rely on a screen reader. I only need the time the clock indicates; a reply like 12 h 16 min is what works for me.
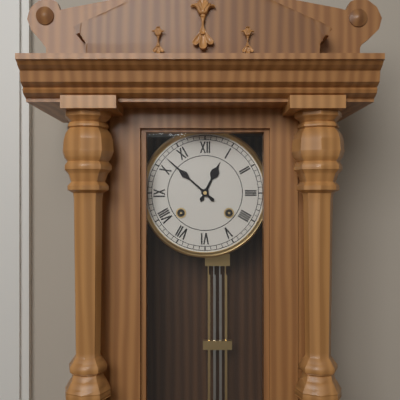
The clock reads 12 h 52 min
